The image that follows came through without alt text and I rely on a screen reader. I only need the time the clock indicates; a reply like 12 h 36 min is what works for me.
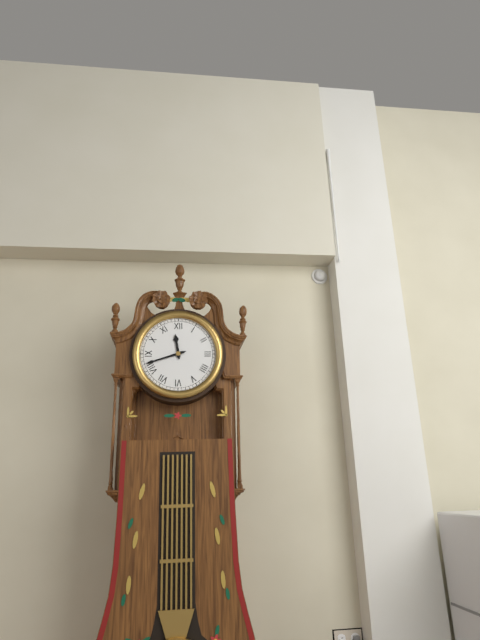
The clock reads 11 h 42 min
